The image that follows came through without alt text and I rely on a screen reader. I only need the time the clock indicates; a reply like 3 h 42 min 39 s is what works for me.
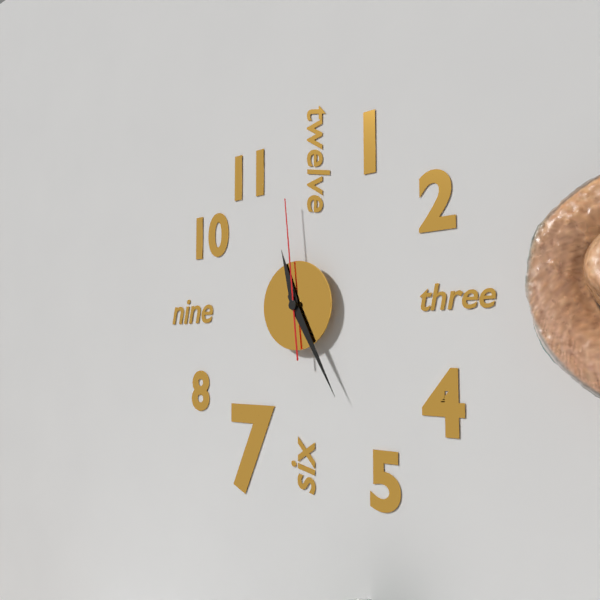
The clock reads 11 h 25 min 59 s
